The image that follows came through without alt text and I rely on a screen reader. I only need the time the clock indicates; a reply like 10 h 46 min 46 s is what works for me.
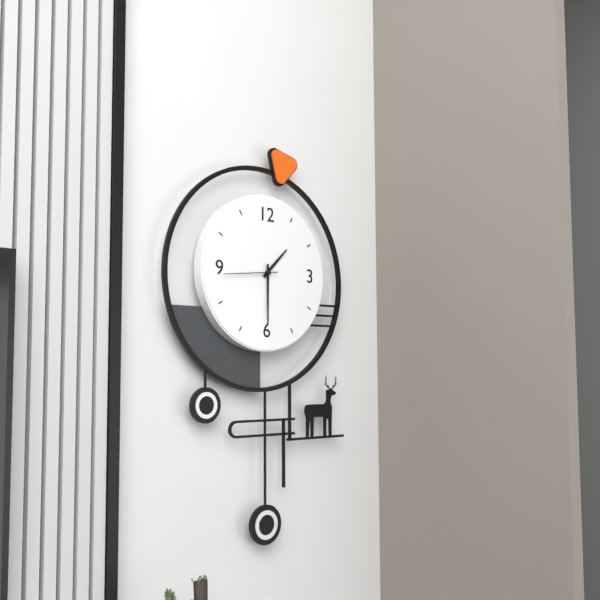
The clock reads 1 h 30 min 44 s
